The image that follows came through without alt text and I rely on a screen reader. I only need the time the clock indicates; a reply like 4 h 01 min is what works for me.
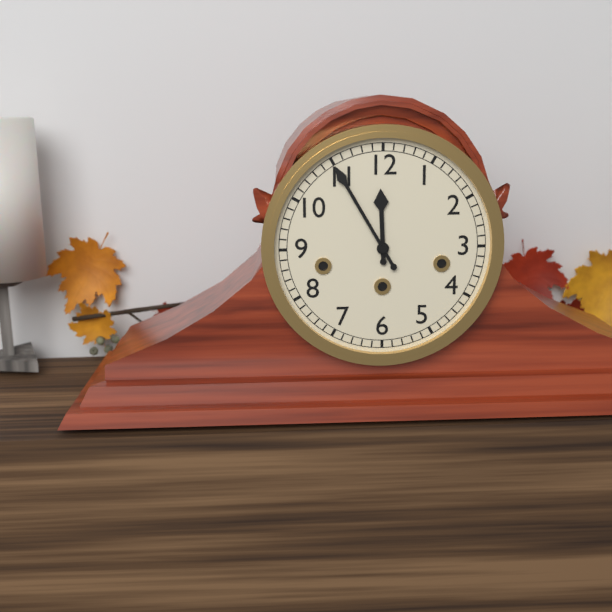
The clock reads 11 h 55 min
